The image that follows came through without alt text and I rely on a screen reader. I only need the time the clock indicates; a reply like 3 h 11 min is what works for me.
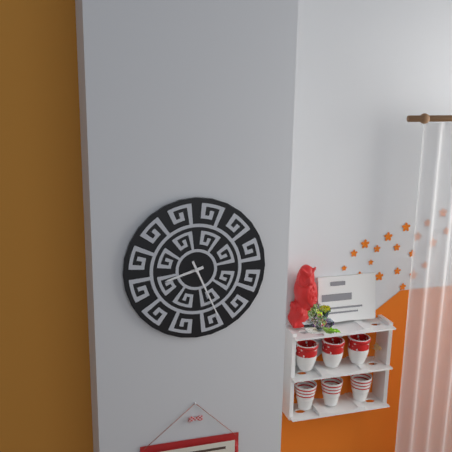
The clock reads 8 h 26 min
